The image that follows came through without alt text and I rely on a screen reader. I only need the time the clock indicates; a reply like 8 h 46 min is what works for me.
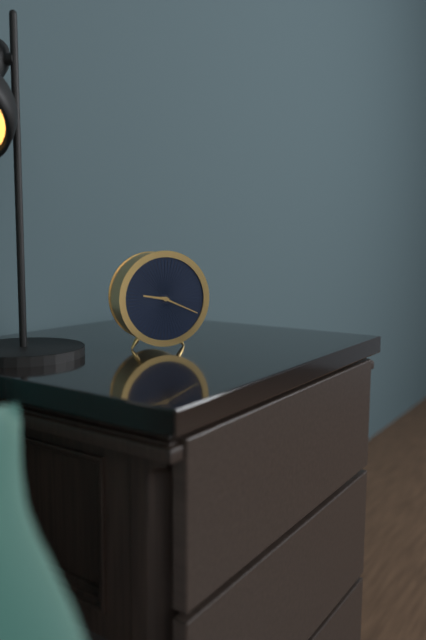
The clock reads 9 h 19 min
